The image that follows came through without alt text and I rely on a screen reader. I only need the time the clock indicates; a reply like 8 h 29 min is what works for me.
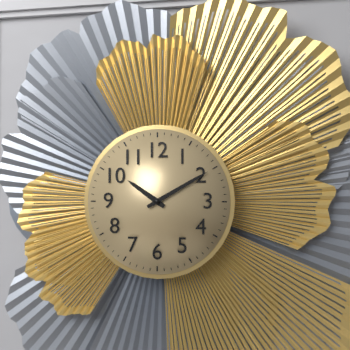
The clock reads 10 h 10 min
